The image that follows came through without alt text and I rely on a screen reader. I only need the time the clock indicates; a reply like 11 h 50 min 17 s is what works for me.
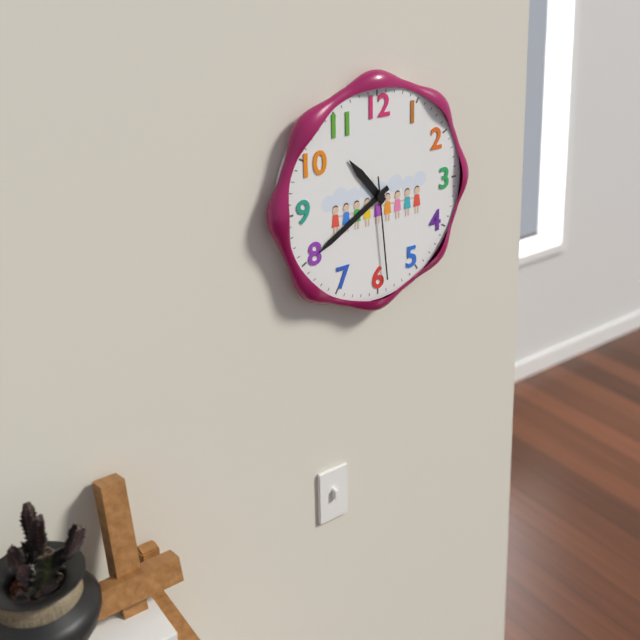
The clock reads 10 h 40 min 29 s
